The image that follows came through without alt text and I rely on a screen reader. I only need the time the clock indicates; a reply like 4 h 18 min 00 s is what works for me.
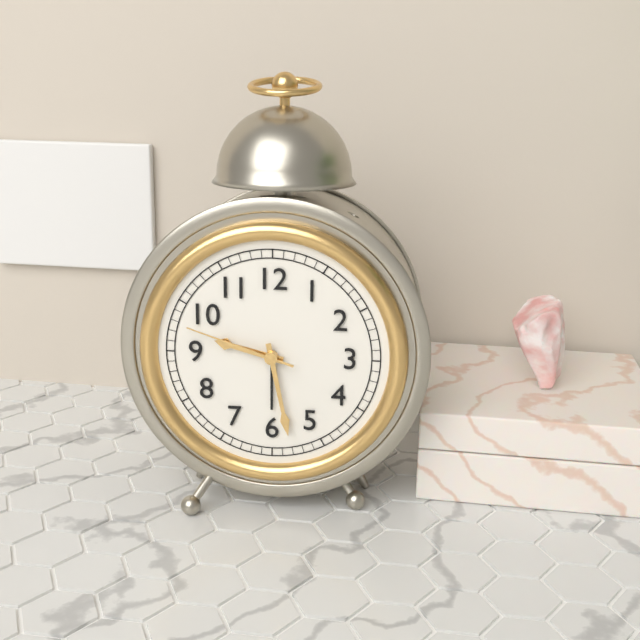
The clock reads 9 h 28 min 48 s
